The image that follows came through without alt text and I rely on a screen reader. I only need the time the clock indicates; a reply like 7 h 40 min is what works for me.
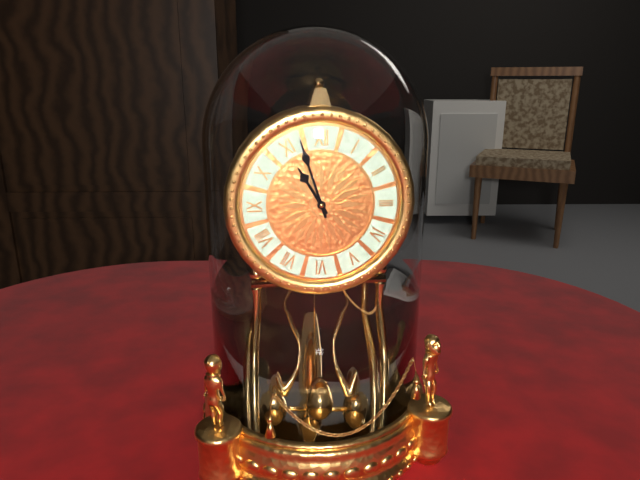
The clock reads 10 h 57 min
